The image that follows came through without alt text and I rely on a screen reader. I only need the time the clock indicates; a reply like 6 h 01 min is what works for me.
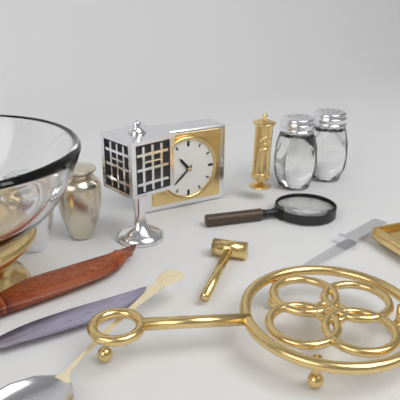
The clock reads 10 h 38 min
